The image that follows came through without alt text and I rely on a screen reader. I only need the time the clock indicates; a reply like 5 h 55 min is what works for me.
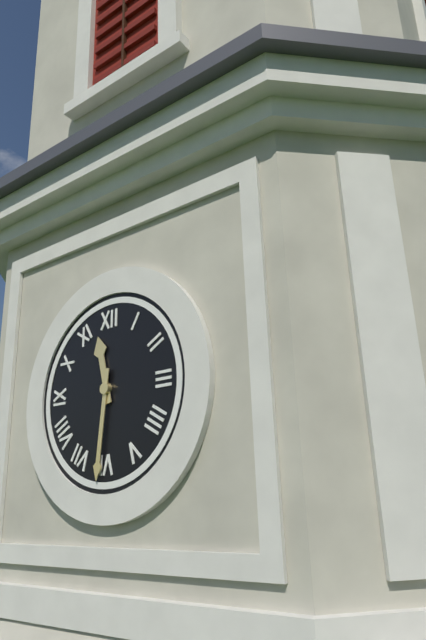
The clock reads 11 h 31 min
